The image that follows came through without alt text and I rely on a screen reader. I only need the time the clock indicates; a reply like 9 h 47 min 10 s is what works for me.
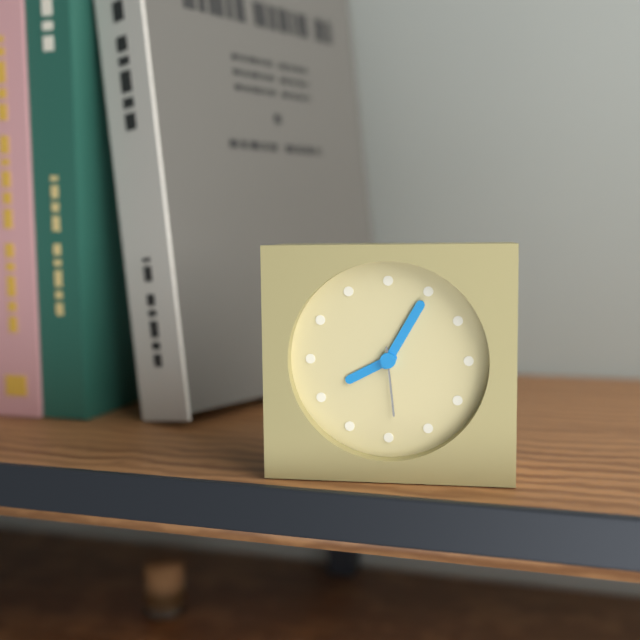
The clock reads 8 h 05 min 29 s
